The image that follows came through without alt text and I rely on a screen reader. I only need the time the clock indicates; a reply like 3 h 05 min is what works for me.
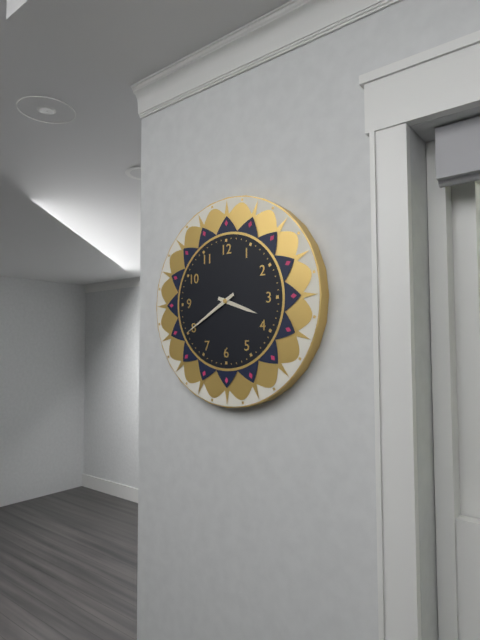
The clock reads 3 h 40 min
